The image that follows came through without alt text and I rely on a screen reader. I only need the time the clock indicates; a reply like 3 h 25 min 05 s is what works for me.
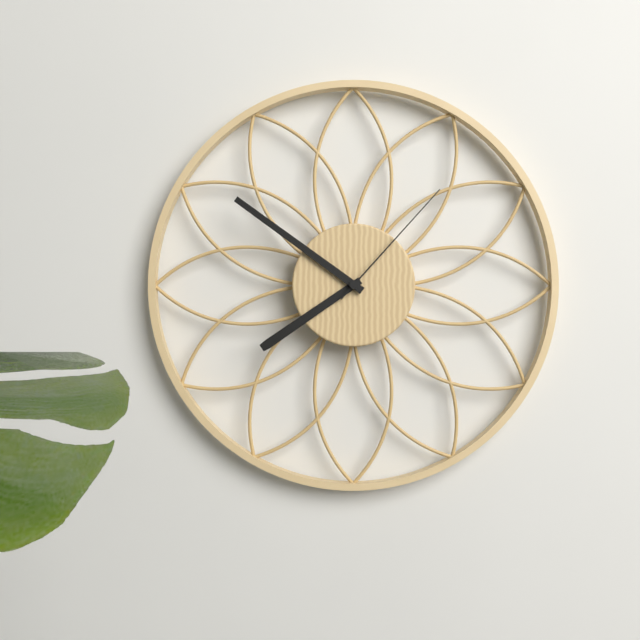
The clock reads 7 h 51 min 07 s
